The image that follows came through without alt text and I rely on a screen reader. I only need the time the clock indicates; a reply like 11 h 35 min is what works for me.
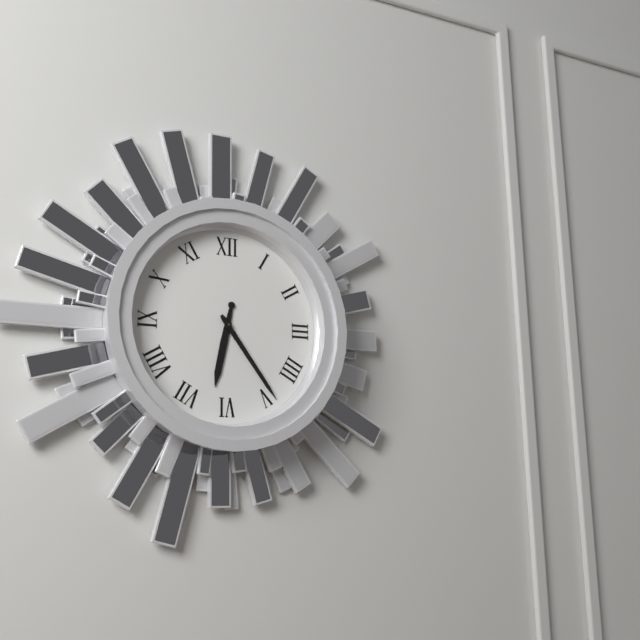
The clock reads 6 h 24 min
